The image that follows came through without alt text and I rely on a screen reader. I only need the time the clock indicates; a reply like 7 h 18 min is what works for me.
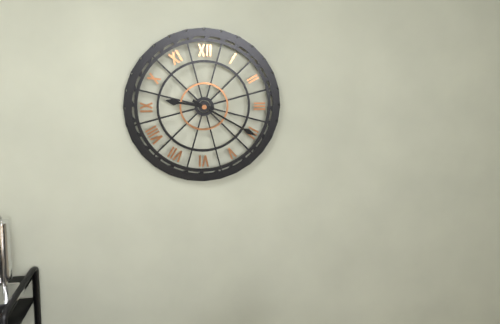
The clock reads 9 h 20 min
